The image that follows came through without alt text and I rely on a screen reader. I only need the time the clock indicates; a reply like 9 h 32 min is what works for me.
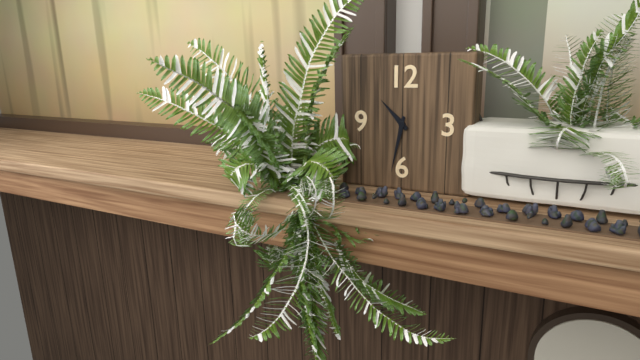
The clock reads 10 h 32 min
